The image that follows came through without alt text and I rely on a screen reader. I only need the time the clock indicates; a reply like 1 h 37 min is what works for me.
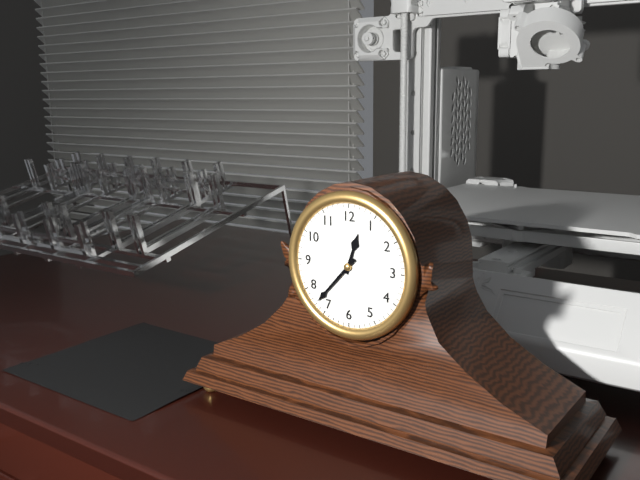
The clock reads 12 h 37 min
